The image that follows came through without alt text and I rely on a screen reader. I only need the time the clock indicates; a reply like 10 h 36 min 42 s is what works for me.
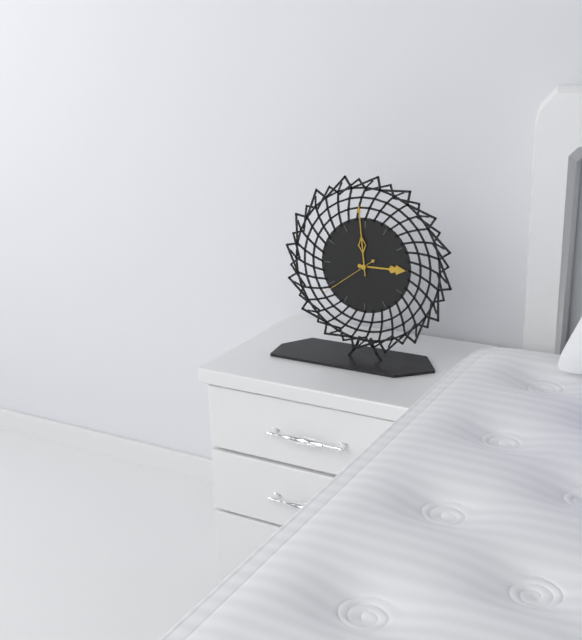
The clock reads 2 h 59 min 39 s
